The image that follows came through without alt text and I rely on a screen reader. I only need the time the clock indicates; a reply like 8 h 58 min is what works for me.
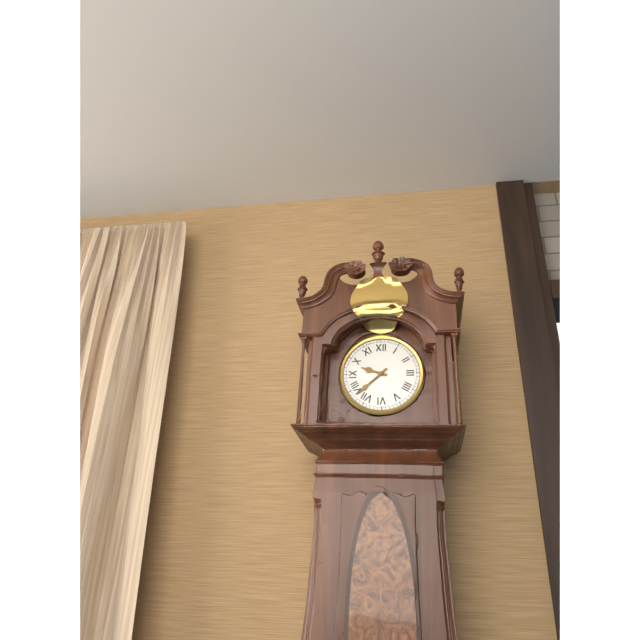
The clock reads 9 h 38 min
